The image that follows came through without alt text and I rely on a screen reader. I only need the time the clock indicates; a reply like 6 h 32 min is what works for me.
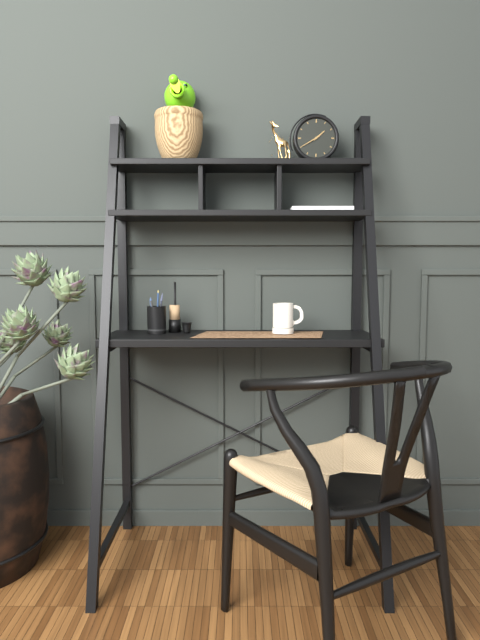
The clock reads 1 h 40 min
